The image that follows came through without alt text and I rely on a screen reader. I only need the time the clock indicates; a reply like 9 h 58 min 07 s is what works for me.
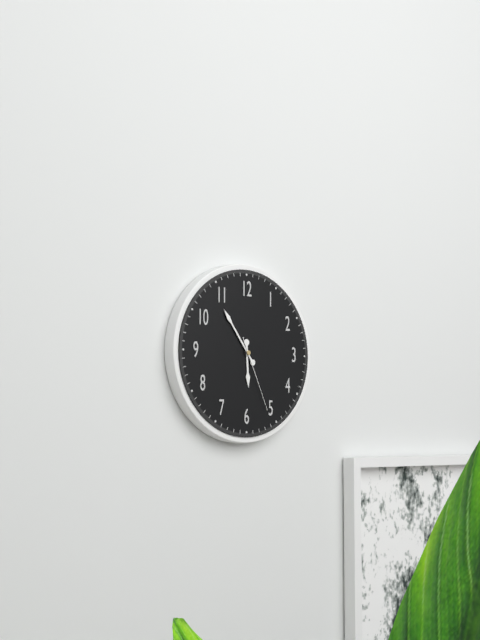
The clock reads 5 h 54 min 26 s
